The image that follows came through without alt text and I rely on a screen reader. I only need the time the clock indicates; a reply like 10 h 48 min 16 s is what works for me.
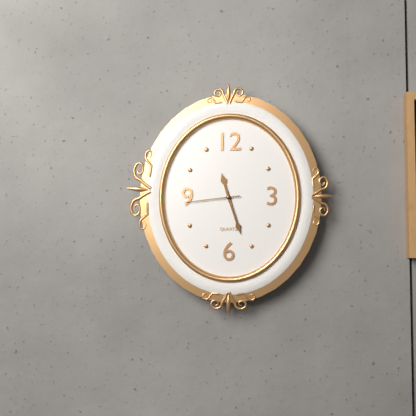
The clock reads 11 h 27 min 44 s
